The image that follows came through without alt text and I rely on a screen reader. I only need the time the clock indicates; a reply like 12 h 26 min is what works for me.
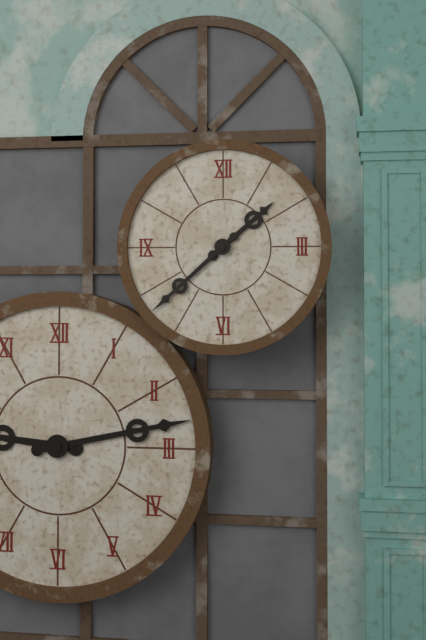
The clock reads 1 h 38 min
